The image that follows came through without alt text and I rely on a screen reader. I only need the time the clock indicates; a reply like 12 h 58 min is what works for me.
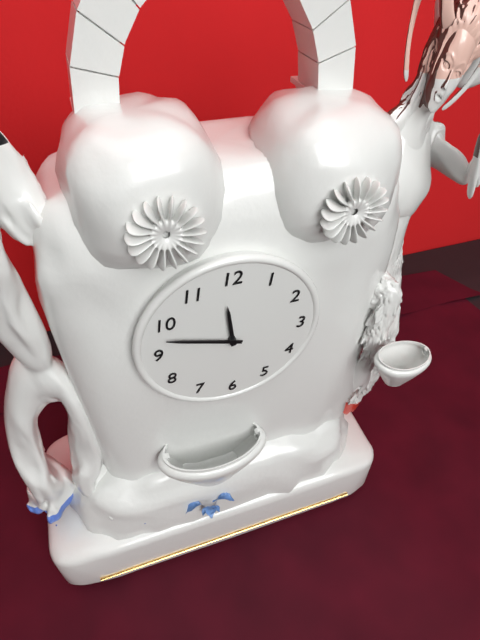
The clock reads 11 h 48 min
